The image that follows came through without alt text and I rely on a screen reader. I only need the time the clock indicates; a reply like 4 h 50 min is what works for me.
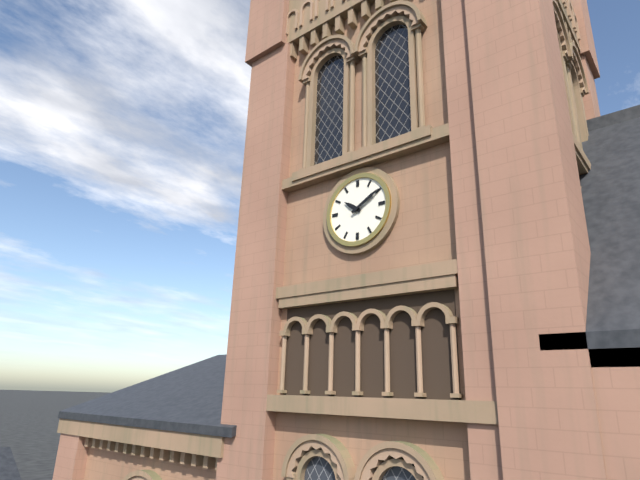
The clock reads 10 h 10 min
